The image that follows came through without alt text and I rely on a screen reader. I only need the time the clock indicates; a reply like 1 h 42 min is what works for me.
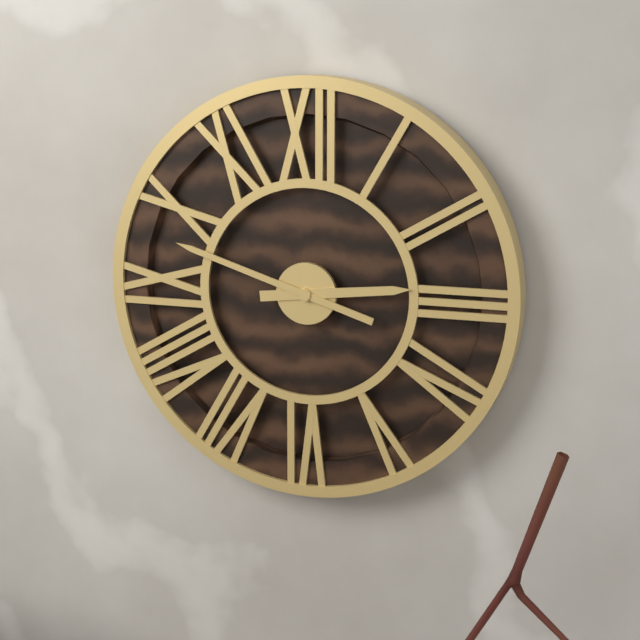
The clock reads 2 h 48 min
